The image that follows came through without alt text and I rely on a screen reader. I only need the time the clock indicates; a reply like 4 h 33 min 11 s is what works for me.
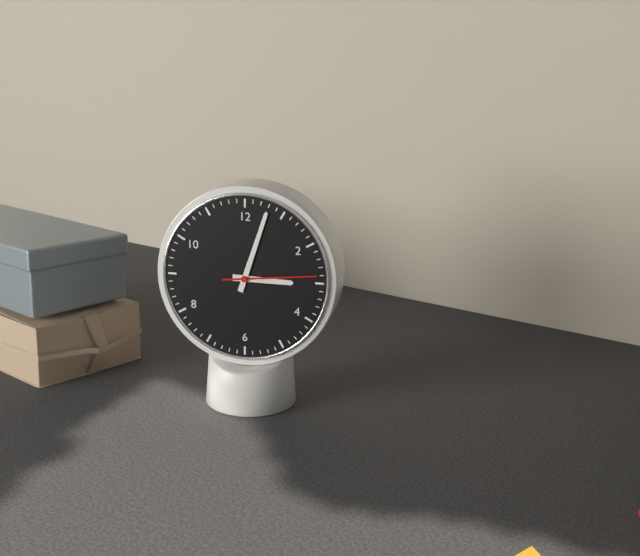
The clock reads 3 h 03 min 14 s
